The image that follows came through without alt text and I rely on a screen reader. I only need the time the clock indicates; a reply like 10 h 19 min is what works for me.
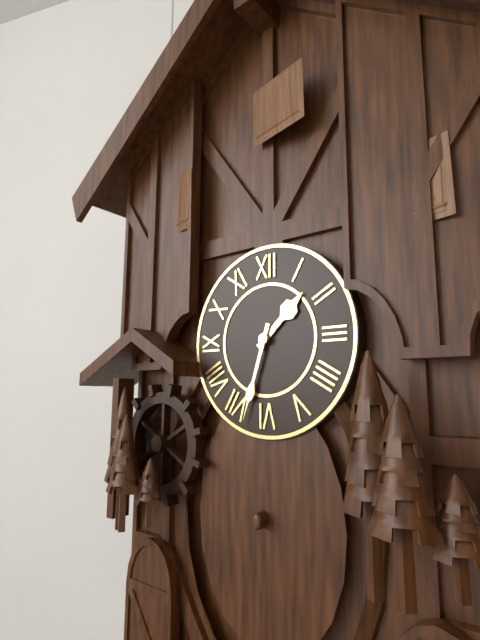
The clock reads 1 h 33 min
